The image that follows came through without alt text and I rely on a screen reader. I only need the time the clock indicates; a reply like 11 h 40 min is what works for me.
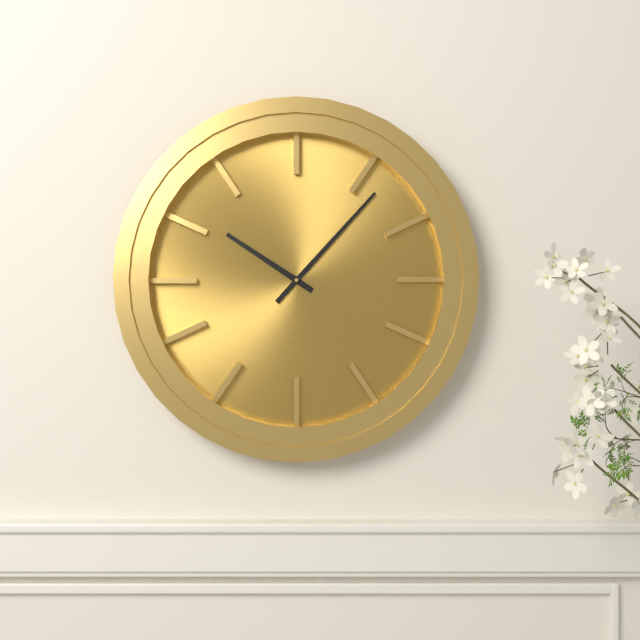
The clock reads 10 h 07 min
